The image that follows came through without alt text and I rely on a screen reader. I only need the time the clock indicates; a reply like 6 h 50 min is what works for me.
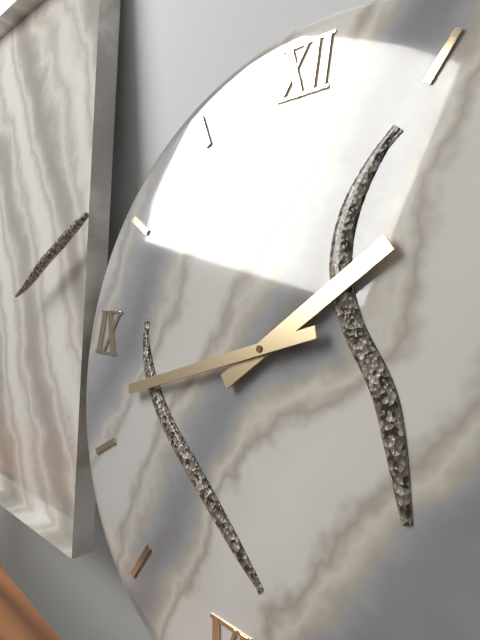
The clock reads 1 h 42 min
